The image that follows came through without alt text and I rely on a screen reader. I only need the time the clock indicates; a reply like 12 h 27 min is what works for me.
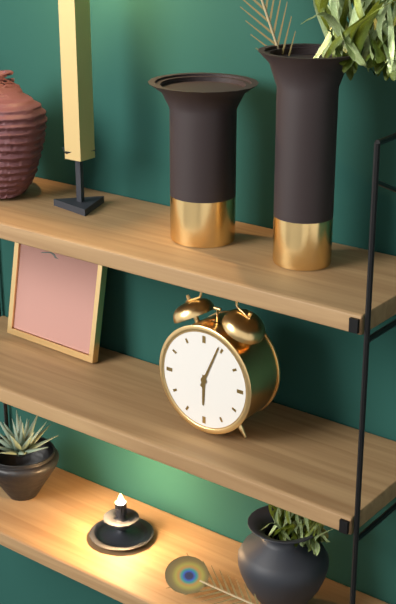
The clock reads 6 h 04 min
